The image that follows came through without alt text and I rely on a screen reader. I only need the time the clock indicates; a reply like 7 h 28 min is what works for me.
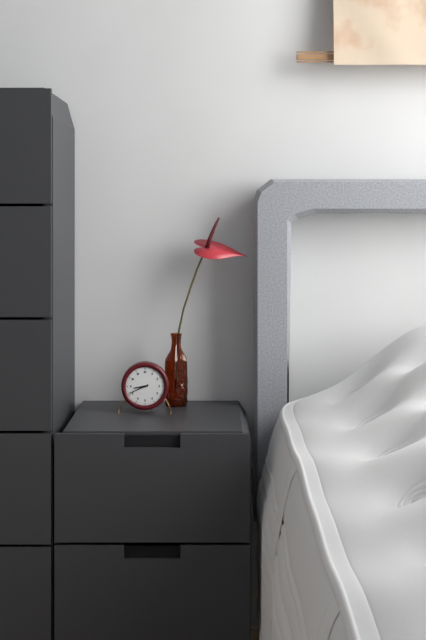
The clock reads 8 h 41 min
